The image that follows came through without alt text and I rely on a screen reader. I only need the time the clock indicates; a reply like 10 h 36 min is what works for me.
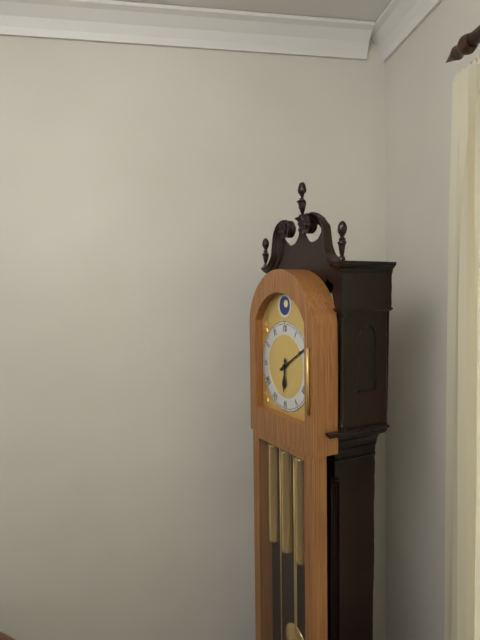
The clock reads 6 h 10 min
